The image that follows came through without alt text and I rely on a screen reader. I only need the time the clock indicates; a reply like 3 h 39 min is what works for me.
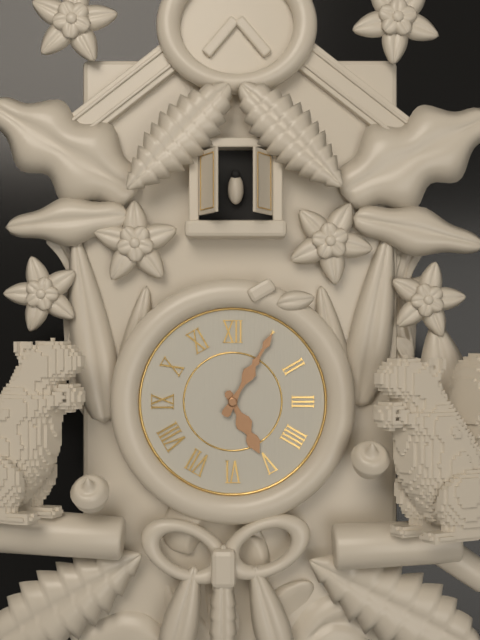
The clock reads 5 h 05 min
